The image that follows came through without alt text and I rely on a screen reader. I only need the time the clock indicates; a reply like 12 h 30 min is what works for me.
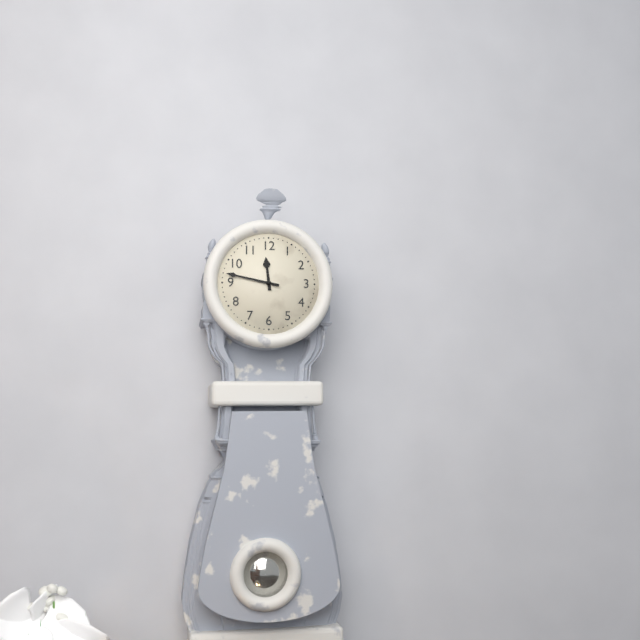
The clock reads 11 h 47 min
